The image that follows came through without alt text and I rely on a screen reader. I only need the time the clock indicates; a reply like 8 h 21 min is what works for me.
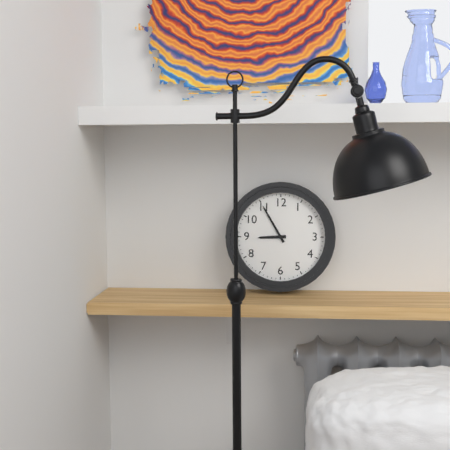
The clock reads 8 h 55 min
